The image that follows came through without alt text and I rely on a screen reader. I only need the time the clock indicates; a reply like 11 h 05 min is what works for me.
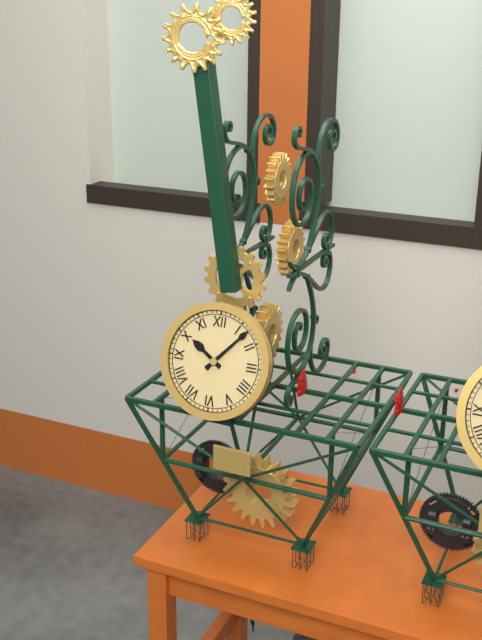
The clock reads 10 h 07 min
